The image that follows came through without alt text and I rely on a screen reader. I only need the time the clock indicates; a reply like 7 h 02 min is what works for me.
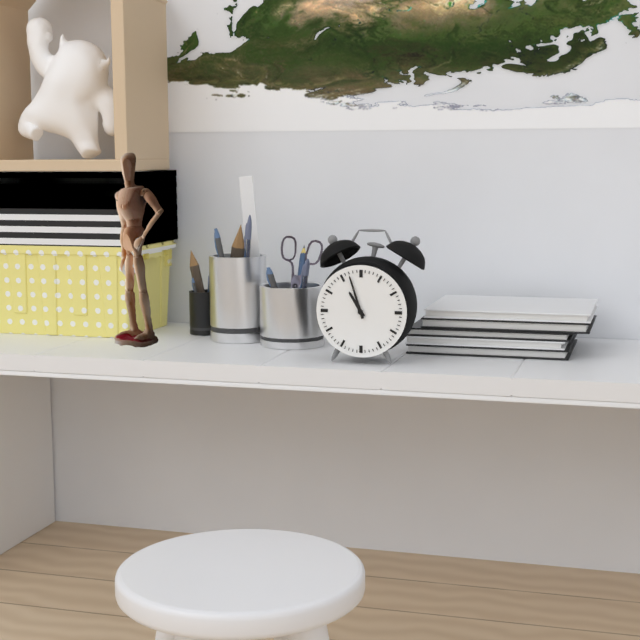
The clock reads 10 h 57 min
